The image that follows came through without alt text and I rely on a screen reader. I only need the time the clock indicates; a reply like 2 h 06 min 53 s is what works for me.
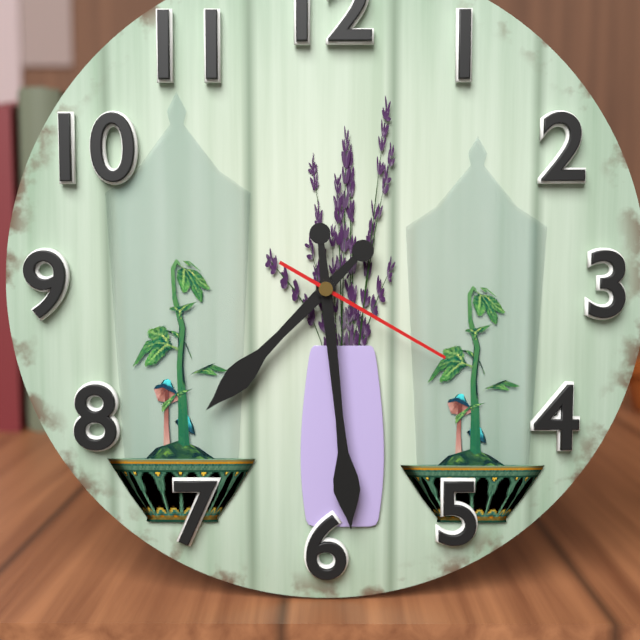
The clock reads 7 h 29 min 20 s
